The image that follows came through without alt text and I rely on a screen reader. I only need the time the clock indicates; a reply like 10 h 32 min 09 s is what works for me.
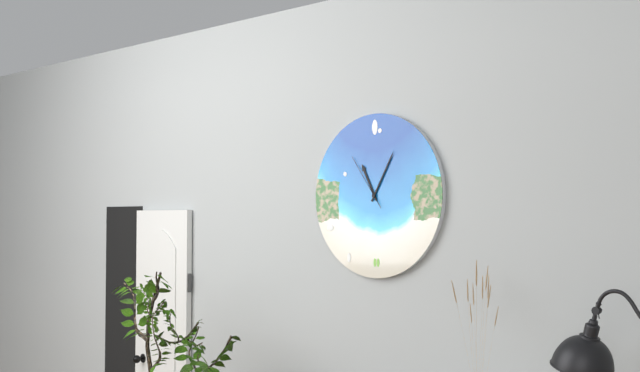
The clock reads 11 h 05 min 54 s
